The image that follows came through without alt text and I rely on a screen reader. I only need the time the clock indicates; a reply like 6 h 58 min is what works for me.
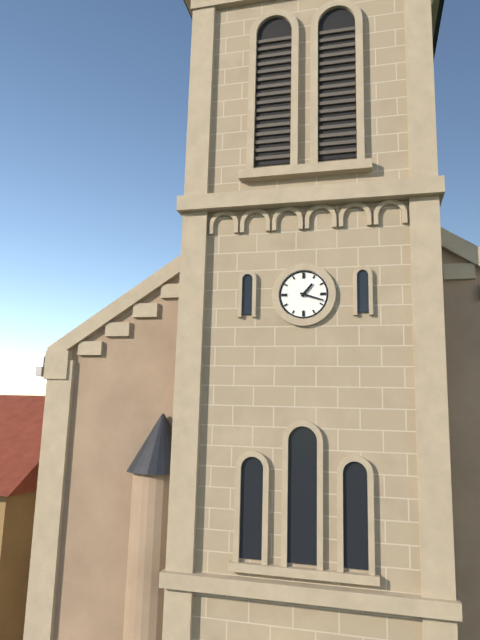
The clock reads 1 h 18 min
